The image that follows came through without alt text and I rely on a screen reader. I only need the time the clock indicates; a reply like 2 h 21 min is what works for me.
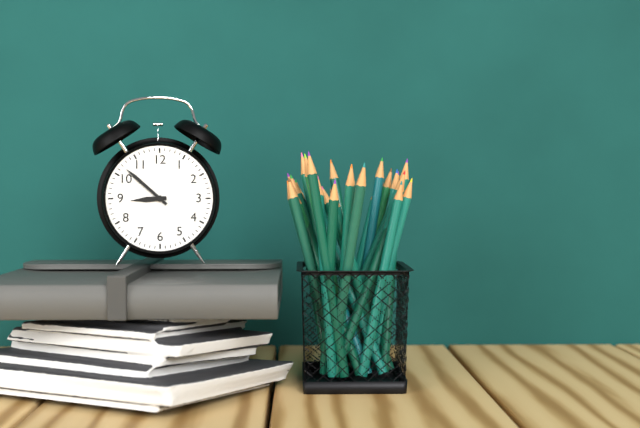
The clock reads 8 h 52 min
